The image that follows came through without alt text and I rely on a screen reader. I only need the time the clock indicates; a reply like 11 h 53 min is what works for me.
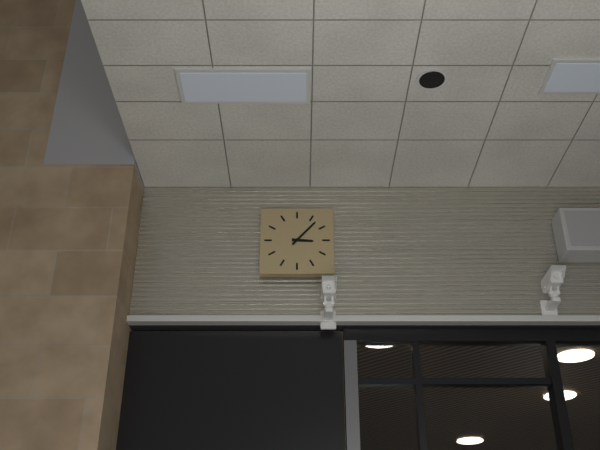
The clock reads 3 h 07 min
